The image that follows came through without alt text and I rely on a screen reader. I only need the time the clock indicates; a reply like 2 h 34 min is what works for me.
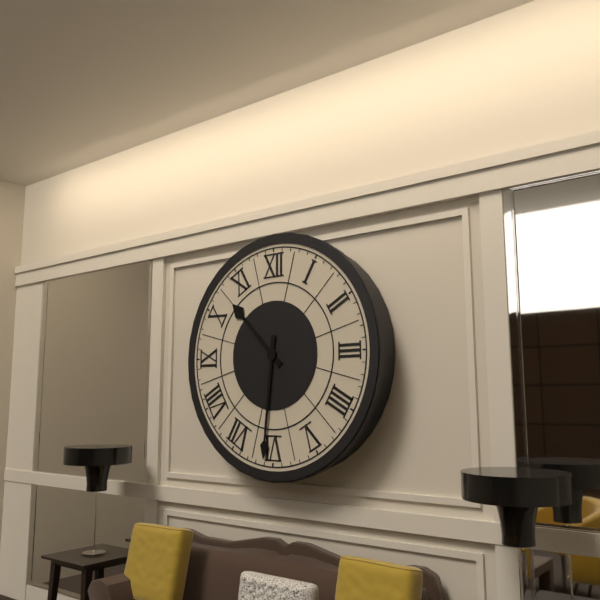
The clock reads 10 h 31 min
